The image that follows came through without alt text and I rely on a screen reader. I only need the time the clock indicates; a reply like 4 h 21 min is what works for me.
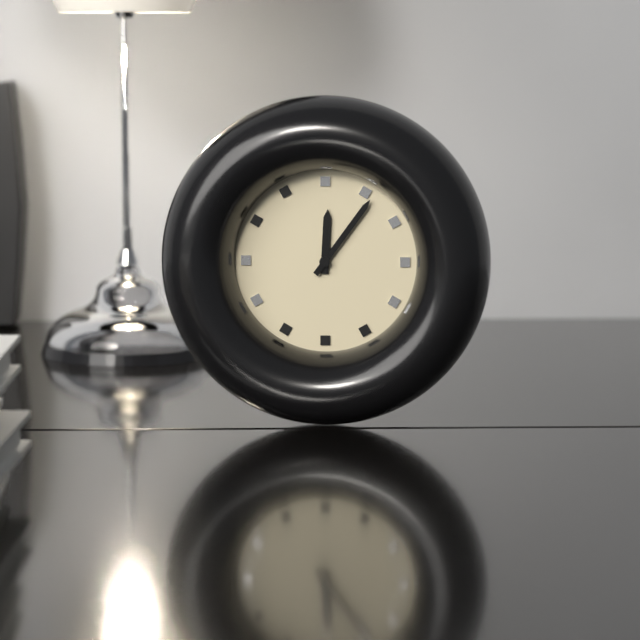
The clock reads 12 h 06 min
